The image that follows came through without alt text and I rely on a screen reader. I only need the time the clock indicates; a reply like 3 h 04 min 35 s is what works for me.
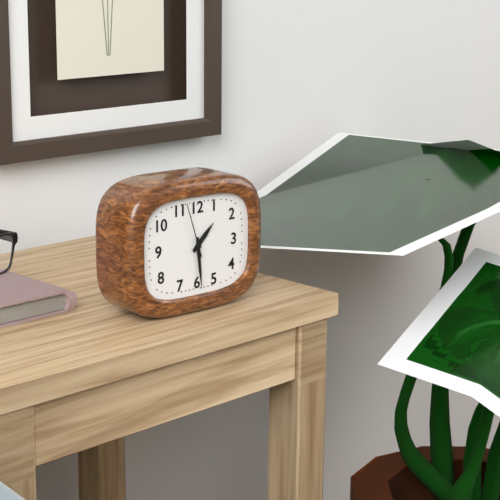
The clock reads 1 h 29 min 57 s
